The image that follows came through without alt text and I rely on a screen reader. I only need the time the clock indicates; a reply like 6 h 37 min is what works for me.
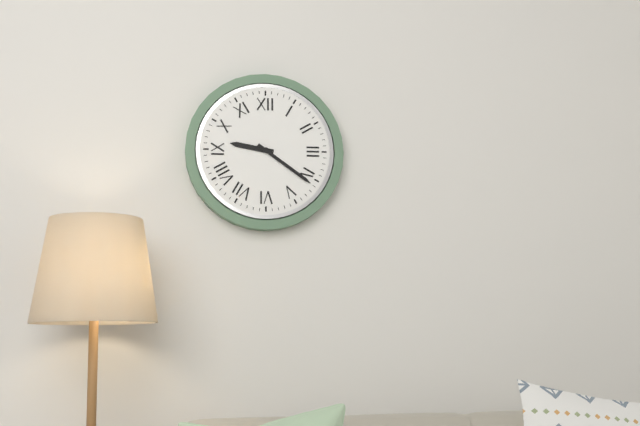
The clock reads 9 h 21 min
